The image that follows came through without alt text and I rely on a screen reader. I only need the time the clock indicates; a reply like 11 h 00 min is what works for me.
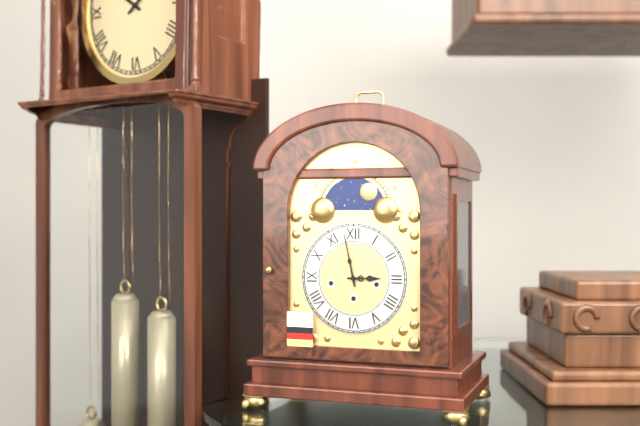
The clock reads 2 h 58 min
